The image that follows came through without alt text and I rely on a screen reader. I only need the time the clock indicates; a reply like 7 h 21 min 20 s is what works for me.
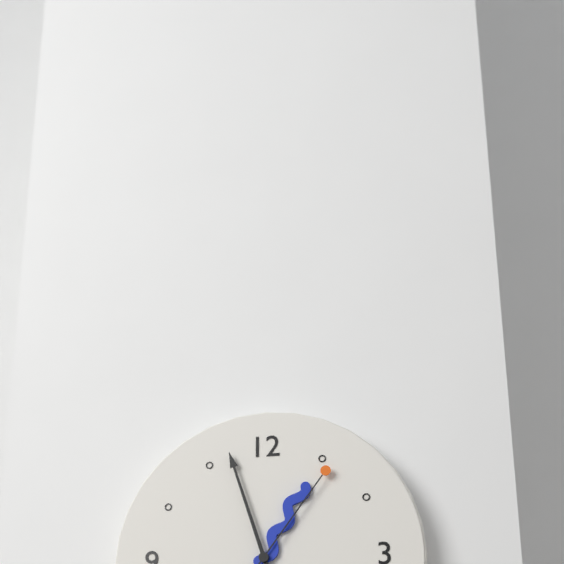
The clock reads 12 h 57 min 06 s
